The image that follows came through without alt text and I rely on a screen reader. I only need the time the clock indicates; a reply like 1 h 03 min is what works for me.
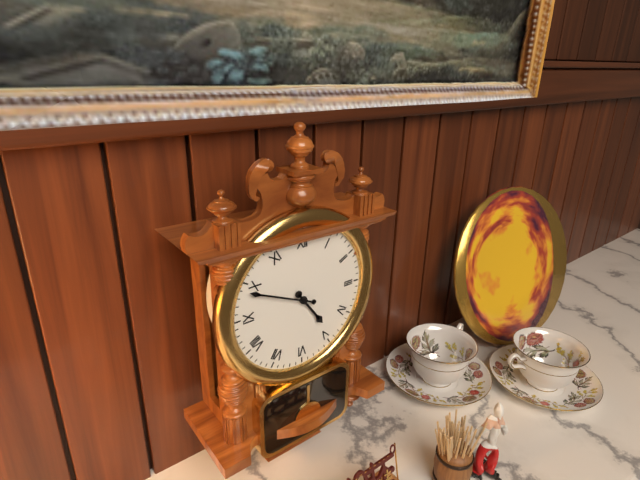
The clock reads 4 h 49 min
